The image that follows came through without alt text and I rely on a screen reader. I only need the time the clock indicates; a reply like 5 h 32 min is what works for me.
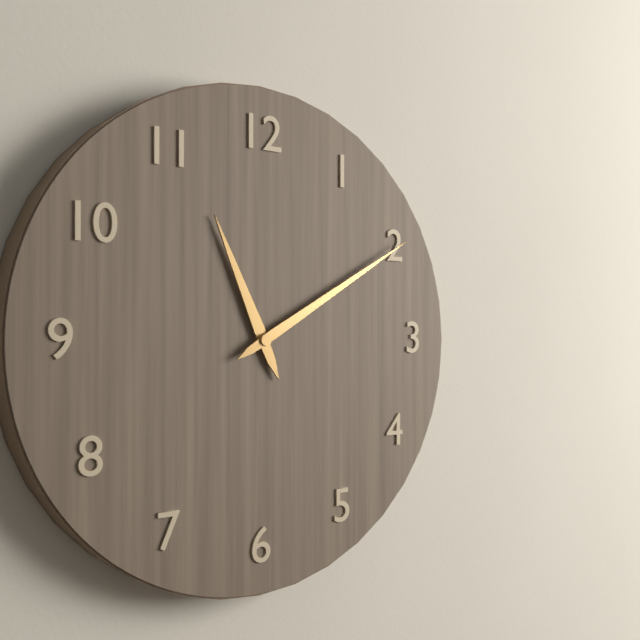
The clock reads 11 h 10 min
